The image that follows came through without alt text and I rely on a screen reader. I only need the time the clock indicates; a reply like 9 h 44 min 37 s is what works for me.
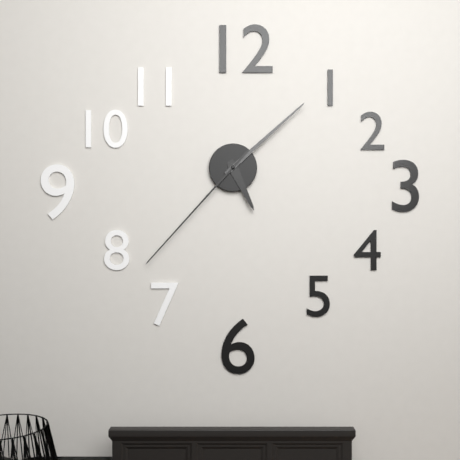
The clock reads 5 h 08 min 37 s
